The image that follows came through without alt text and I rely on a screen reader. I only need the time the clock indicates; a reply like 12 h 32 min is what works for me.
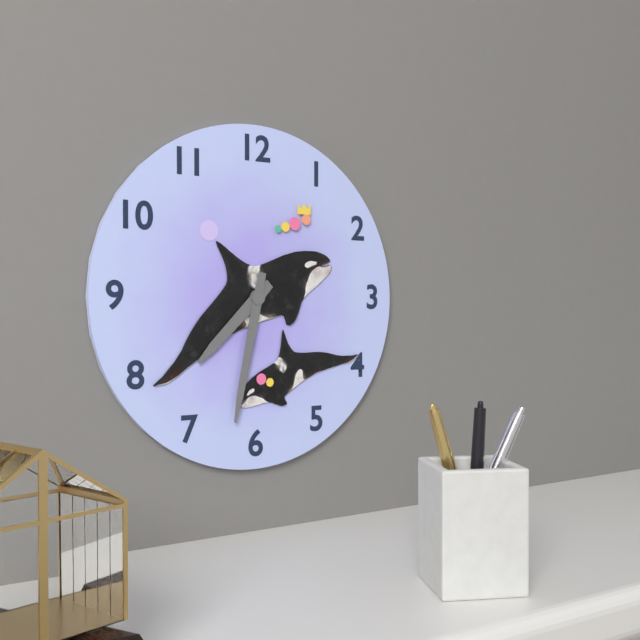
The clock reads 7 h 32 min
